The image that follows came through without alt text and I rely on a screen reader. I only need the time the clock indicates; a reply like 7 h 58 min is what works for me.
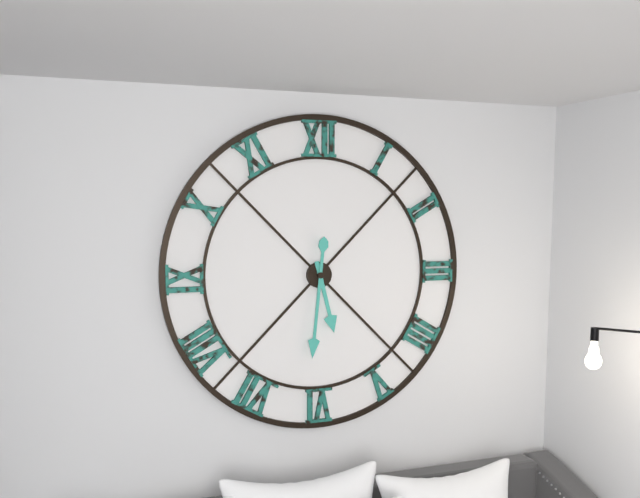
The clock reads 5 h 31 min
